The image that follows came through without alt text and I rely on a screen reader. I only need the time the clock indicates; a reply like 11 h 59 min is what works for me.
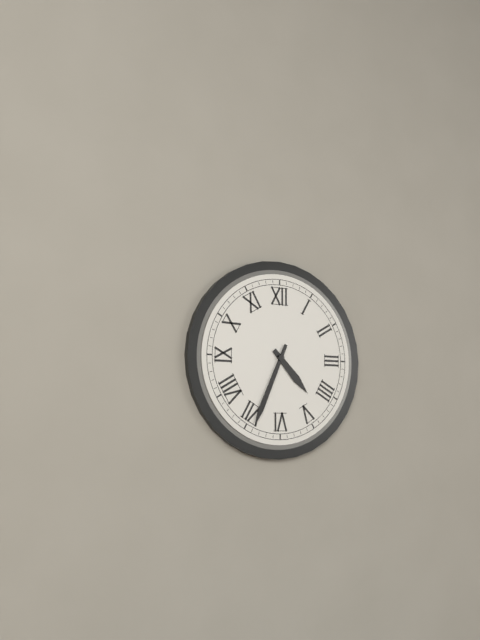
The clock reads 4 h 34 min
